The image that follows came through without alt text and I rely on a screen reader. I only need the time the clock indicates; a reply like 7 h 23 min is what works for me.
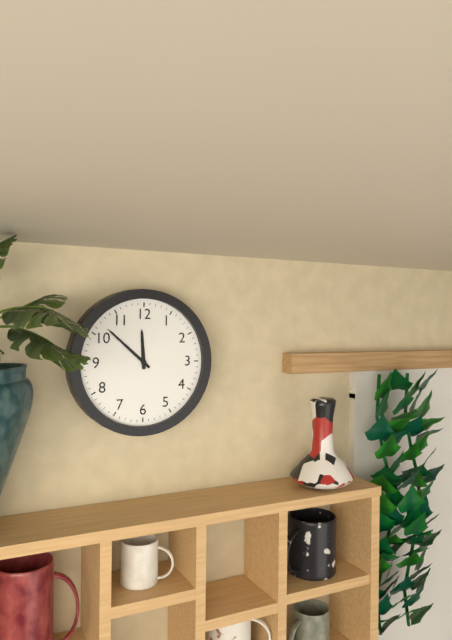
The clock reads 11 h 52 min
